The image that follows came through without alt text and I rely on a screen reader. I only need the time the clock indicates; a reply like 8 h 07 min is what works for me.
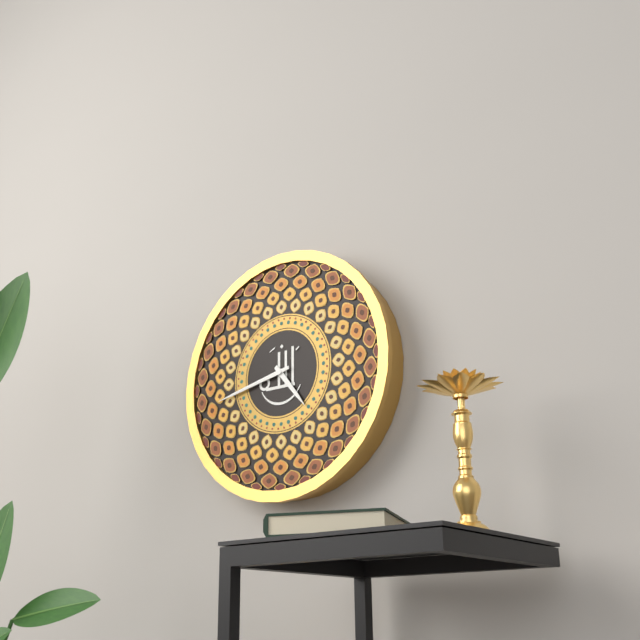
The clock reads 4 h 43 min
